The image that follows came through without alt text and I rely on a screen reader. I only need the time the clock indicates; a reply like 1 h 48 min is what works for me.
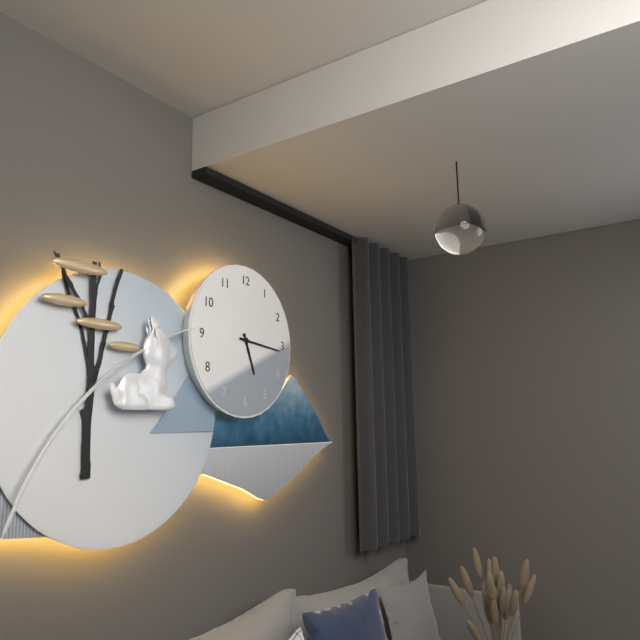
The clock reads 5 h 16 min
